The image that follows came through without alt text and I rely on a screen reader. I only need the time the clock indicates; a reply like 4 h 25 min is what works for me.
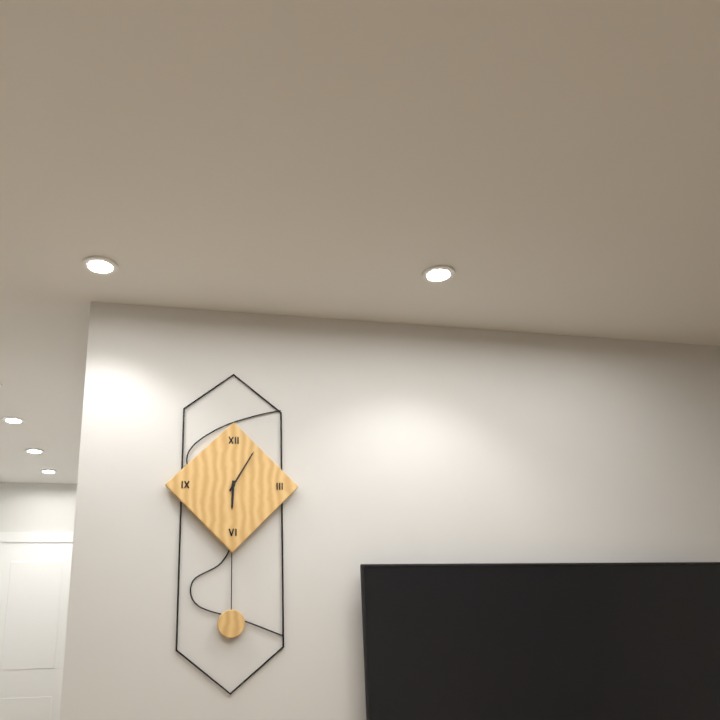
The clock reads 6 h 05 min
